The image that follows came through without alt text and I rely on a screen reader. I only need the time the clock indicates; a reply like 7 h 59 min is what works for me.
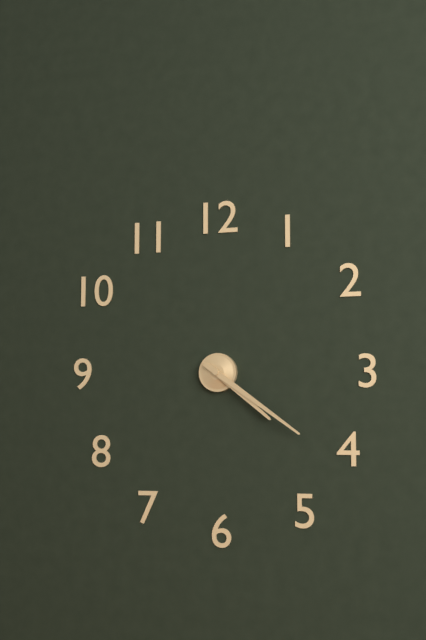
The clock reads 4 h 21 min
